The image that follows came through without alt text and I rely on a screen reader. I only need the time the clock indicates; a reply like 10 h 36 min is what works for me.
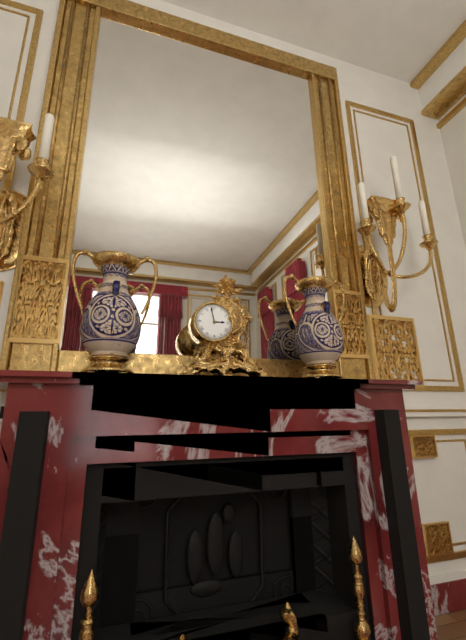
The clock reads 2 h 58 min
